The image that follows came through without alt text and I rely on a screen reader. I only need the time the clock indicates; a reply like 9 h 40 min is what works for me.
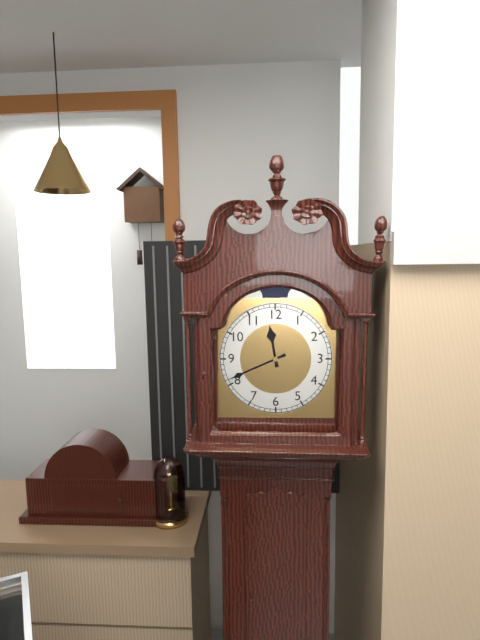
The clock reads 11 h 41 min
